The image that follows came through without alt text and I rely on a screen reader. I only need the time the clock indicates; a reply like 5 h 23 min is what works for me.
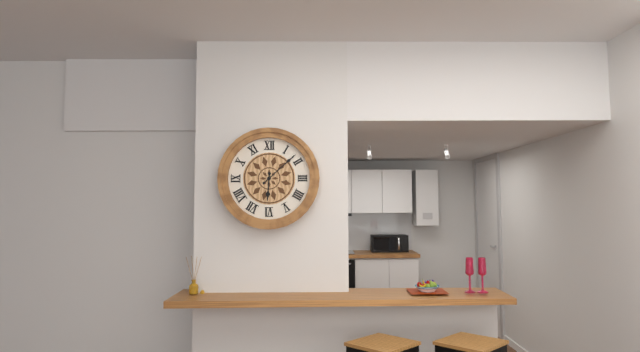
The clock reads 6 h 08 min
